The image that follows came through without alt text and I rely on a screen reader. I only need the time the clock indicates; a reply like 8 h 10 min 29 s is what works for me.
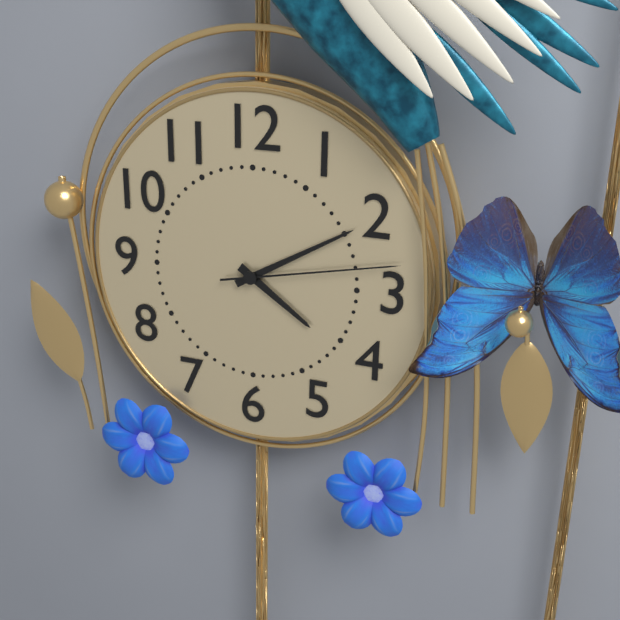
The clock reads 4 h 10 min 13 s
